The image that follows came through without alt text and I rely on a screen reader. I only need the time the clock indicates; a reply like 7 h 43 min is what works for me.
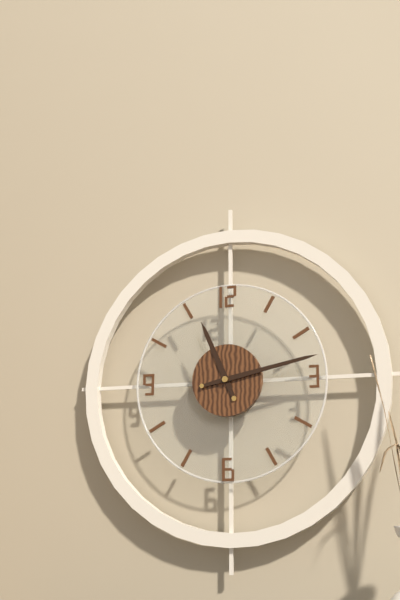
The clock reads 11 h 13 min
